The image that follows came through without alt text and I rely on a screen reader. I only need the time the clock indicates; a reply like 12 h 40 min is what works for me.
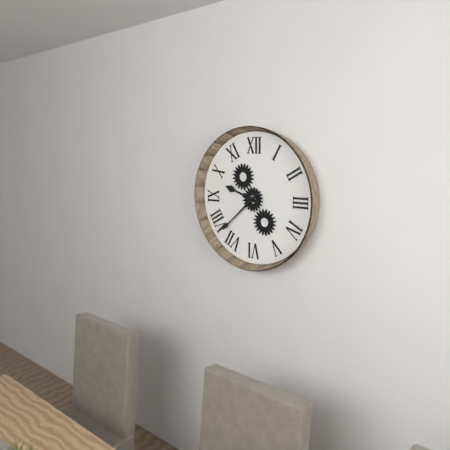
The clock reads 9 h 38 min
